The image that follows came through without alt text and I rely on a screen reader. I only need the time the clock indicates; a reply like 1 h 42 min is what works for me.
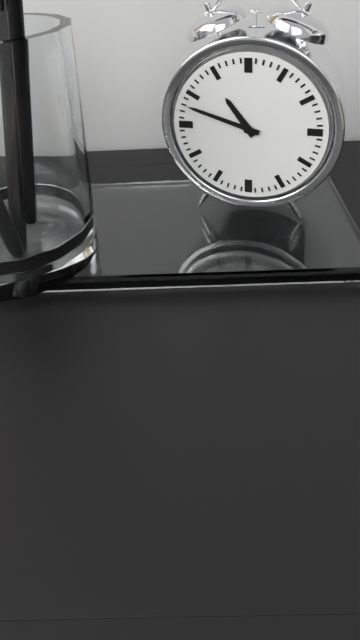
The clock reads 10 h 48 min
